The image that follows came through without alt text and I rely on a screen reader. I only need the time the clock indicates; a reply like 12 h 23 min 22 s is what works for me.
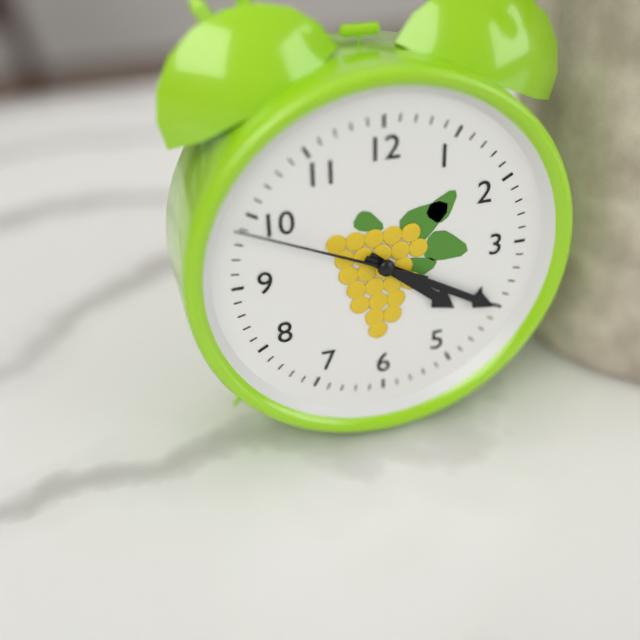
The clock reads 4 h 20 min 49 s
